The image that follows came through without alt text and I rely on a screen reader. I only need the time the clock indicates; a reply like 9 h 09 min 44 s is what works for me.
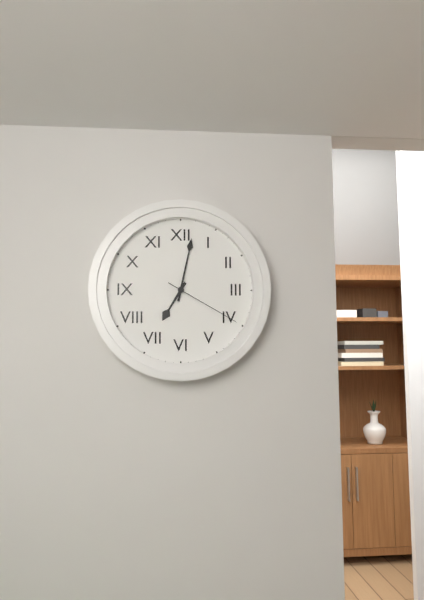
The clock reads 7 h 02 min 20 s
